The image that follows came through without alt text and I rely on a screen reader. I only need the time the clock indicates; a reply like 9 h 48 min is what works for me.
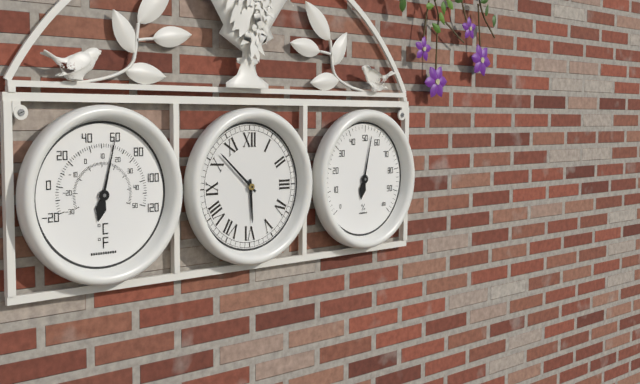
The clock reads 5 h 52 min
